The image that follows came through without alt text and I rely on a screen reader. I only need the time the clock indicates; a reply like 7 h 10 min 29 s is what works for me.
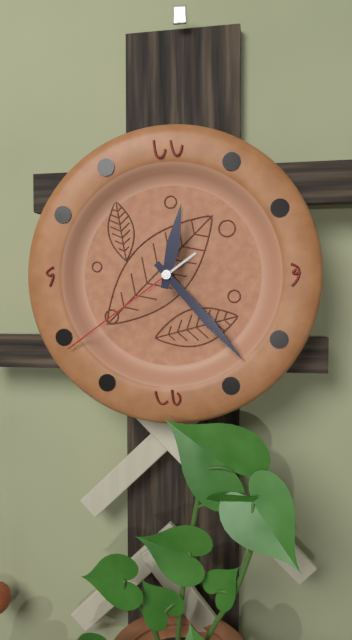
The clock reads 12 h 23 min 39 s
